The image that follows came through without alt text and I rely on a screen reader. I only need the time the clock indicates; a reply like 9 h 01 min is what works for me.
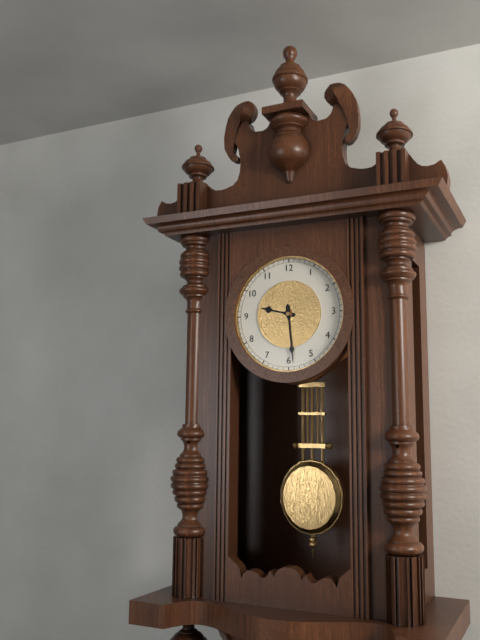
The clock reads 9 h 29 min
